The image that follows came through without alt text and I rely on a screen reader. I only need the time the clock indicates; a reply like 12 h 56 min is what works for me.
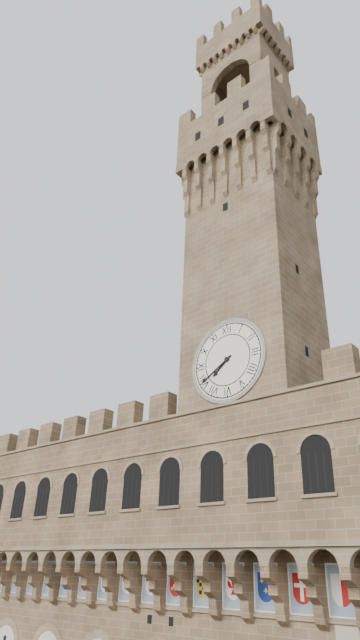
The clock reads 7 h 40 min
